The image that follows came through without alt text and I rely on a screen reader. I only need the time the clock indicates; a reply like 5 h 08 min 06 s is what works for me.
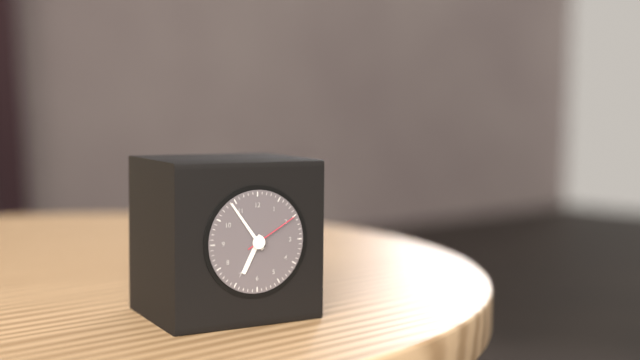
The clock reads 6 h 54 min 10 s
